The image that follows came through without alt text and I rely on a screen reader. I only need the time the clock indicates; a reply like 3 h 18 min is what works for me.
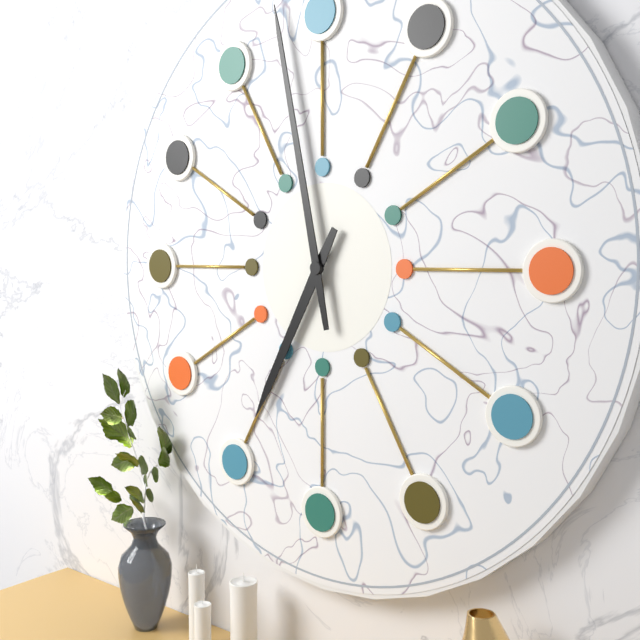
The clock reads 6 h 58 min
